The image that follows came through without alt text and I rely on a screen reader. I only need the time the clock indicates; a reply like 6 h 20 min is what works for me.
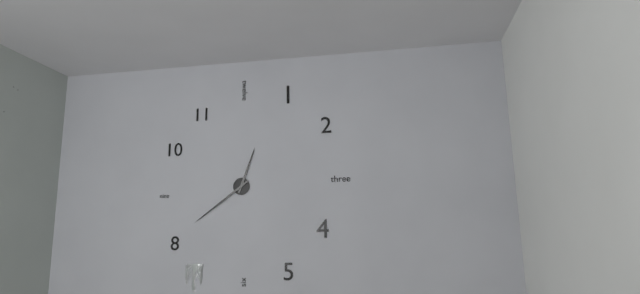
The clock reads 12 h 39 min
